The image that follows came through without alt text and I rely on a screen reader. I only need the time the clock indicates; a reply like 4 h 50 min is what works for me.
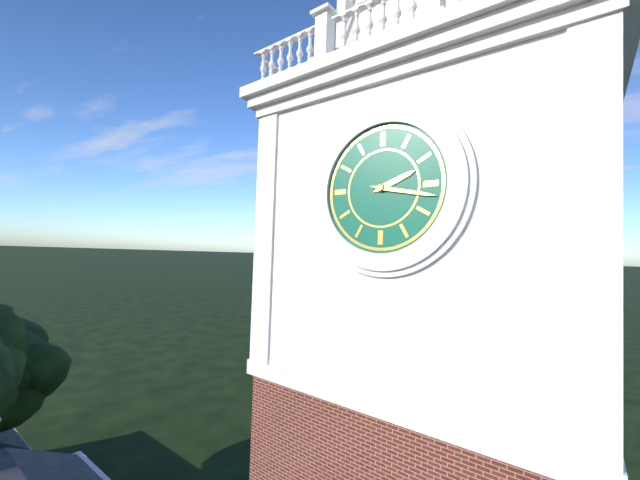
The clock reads 2 h 17 min
